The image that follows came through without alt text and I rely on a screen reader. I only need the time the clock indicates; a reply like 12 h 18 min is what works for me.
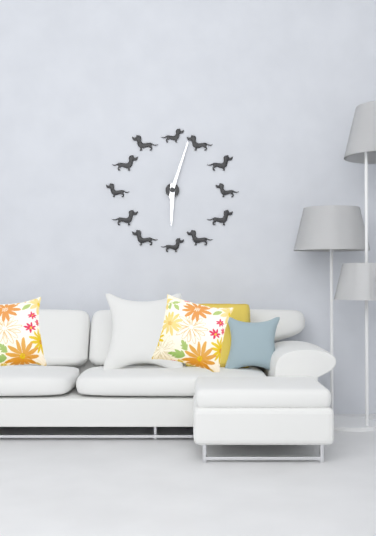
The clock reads 6 h 03 min
